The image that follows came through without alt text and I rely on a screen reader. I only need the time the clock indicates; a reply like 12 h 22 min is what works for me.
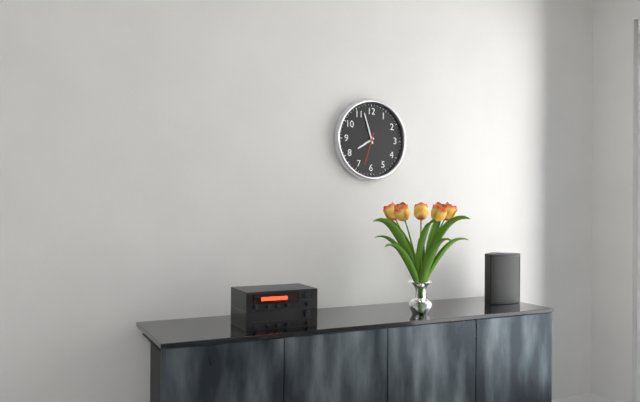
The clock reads 7 h 57 min
